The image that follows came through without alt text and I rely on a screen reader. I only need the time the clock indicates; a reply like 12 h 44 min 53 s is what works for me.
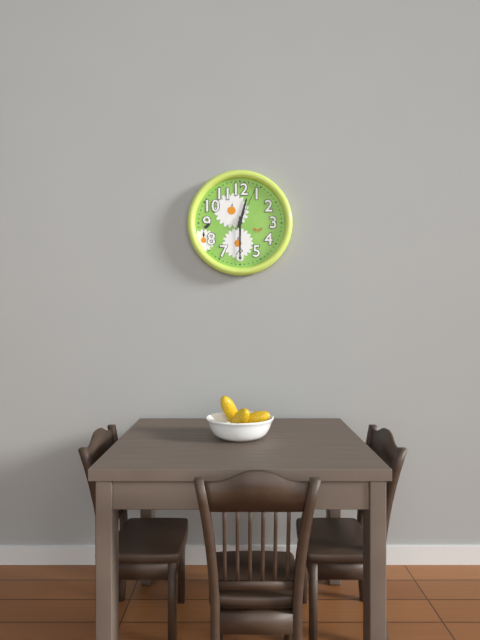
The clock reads 12 h 30 min 04 s
